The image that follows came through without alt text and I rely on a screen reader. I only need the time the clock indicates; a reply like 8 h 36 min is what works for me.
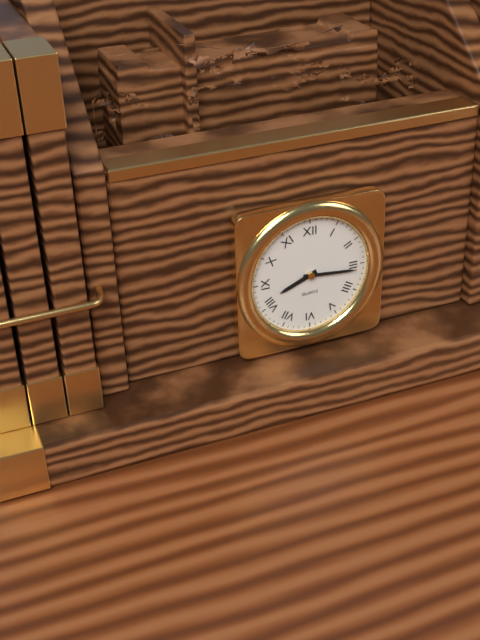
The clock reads 8 h 16 min
